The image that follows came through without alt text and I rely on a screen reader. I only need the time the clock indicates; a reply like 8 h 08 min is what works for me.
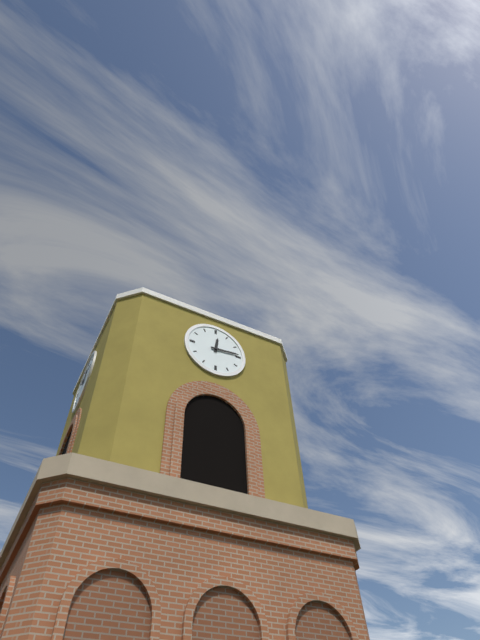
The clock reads 12 h 14 min
